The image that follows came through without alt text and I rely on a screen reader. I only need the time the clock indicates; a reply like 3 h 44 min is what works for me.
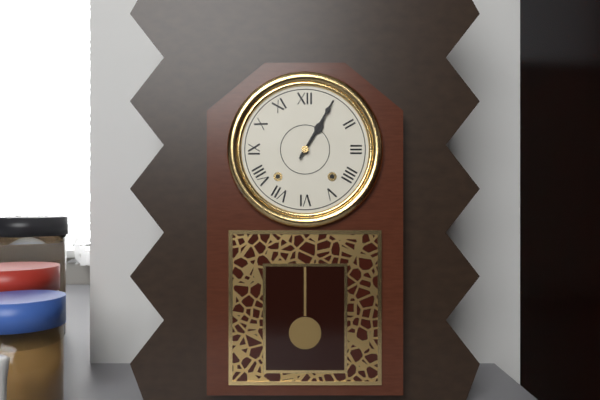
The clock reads 1 h 05 min
